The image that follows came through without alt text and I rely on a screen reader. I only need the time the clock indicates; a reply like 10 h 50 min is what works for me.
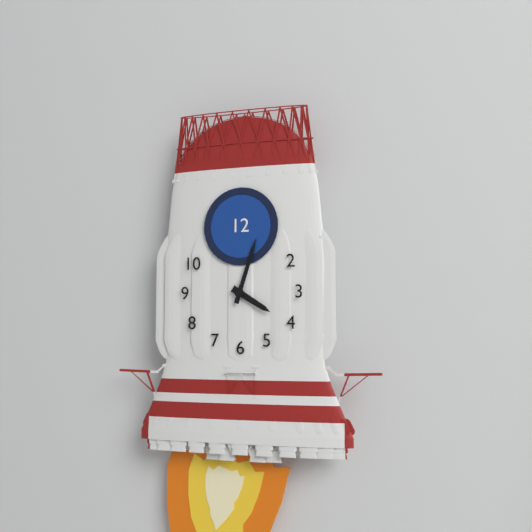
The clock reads 4 h 03 min
